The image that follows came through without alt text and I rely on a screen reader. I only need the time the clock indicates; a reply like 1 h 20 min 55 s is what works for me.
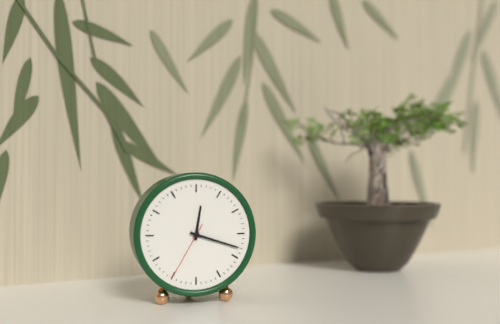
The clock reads 12 h 18 min 35 s
